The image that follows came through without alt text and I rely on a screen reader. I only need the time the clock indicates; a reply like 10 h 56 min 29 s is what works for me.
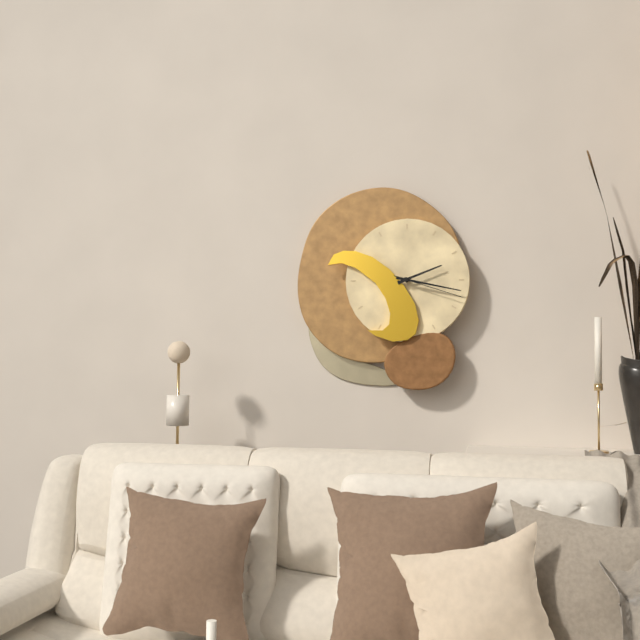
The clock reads 2 h 17 min 18 s
